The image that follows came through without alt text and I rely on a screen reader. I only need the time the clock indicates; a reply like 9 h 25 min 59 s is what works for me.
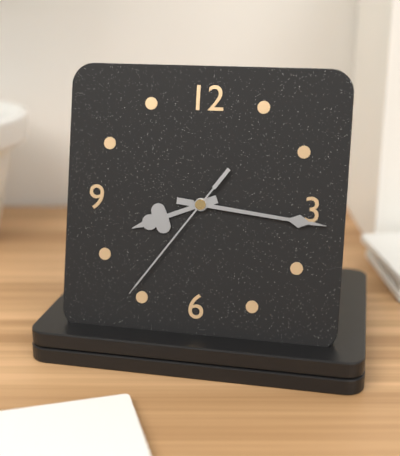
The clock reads 8 h 16 min 36 s
